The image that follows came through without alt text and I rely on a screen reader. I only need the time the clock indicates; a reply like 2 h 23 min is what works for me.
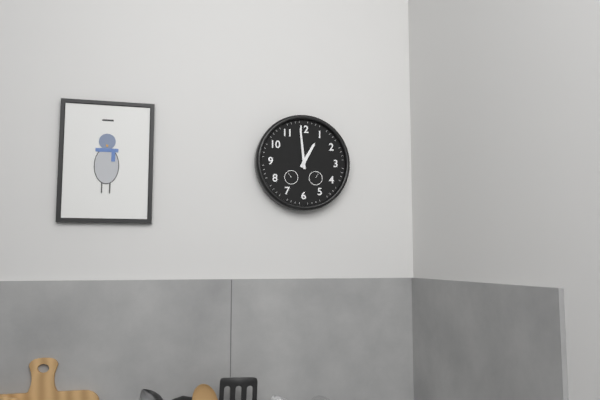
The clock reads 12 h 59 min
